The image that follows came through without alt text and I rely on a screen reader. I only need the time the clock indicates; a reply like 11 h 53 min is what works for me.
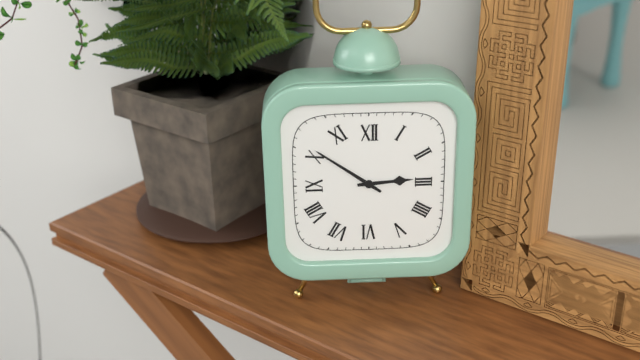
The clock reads 2 h 51 min
